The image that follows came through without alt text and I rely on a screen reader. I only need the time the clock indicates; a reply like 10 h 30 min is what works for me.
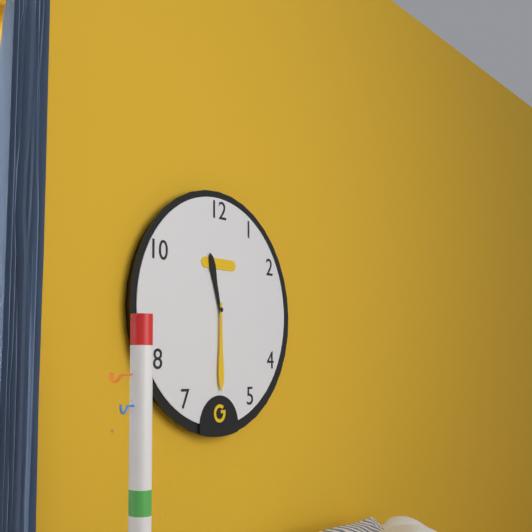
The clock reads 11 h 30 min
